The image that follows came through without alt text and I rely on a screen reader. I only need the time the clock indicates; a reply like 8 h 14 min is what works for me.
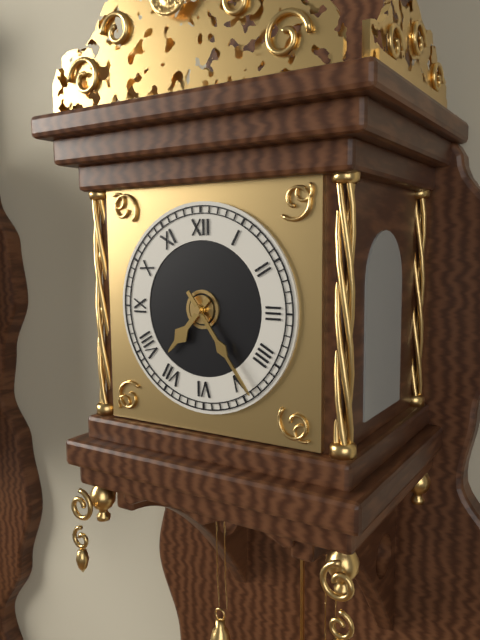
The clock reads 7 h 24 min
